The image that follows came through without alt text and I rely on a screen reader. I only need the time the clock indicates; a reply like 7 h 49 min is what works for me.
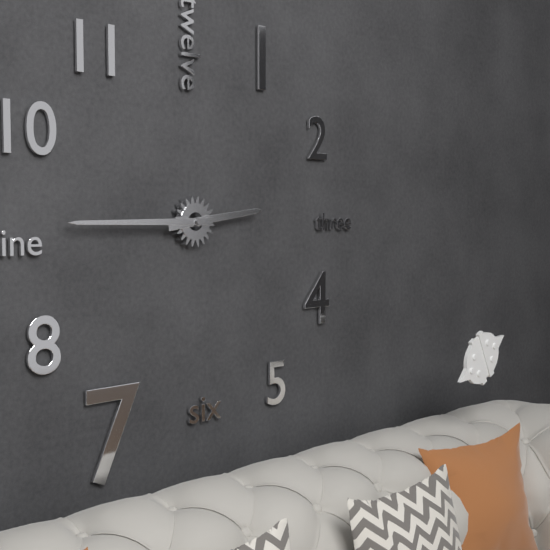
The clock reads 2 h 45 min
